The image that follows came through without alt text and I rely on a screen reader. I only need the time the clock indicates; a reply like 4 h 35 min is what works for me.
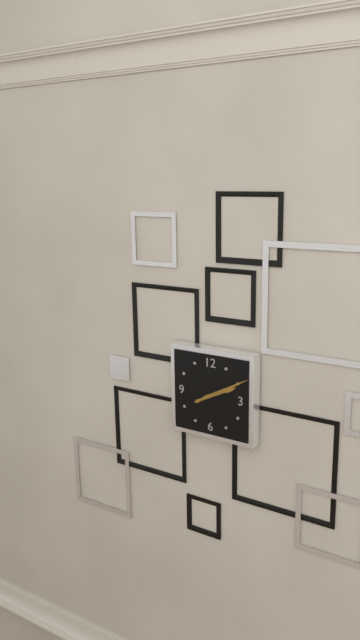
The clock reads 2 h 10 min
